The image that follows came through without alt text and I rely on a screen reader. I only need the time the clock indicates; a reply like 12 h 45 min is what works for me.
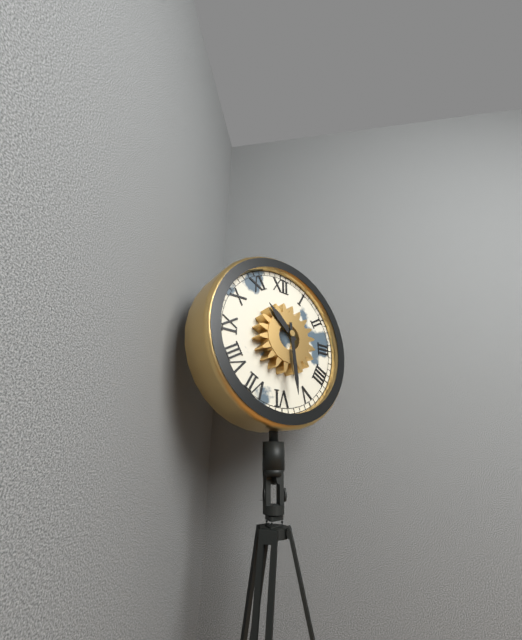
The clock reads 10 h 29 min
